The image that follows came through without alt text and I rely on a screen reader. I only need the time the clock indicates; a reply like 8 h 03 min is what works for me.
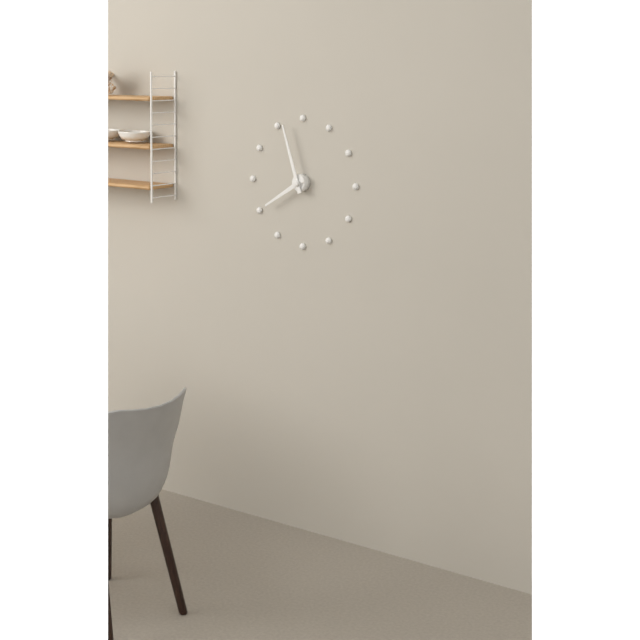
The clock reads 7 h 57 min
